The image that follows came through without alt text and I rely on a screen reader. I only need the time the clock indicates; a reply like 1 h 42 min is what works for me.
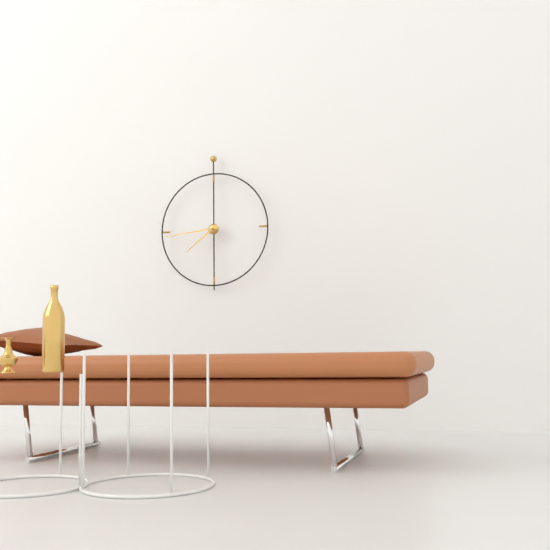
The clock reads 7 h 44 min
